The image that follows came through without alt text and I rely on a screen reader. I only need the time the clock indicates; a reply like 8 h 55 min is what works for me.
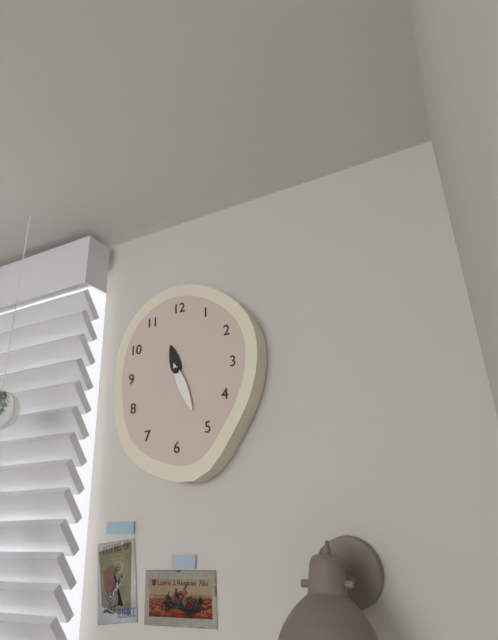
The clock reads 11 h 26 min
